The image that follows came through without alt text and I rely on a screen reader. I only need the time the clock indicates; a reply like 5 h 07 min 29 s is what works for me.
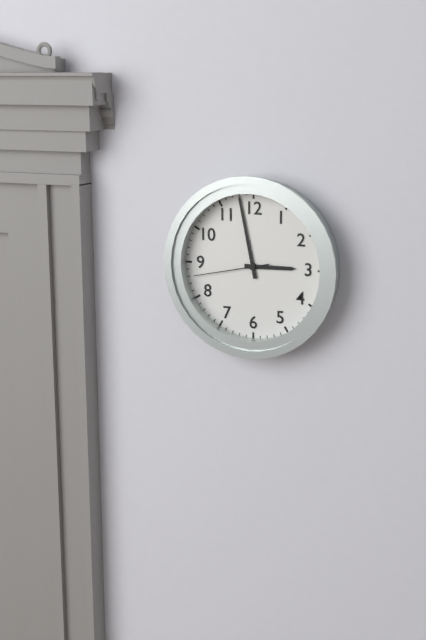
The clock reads 2 h 58 min 43 s
